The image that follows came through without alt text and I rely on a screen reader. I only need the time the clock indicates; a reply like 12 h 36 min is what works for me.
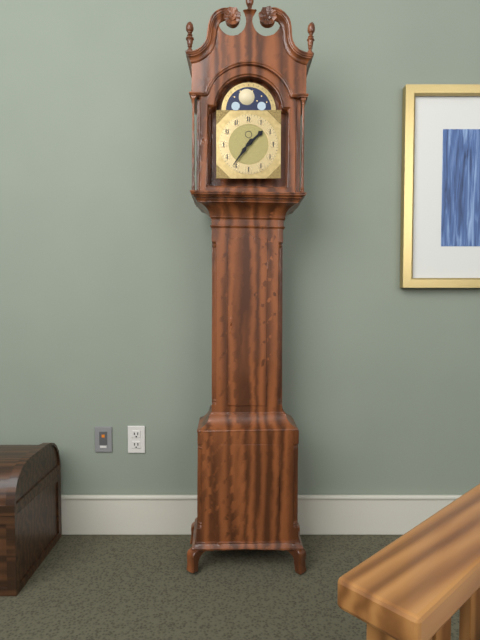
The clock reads 1 h 36 min
